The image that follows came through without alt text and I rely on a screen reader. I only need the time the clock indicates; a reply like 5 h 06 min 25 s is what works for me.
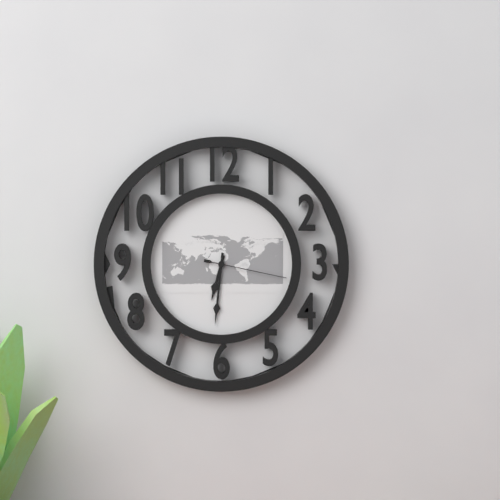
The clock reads 6 h 31 min 17 s
